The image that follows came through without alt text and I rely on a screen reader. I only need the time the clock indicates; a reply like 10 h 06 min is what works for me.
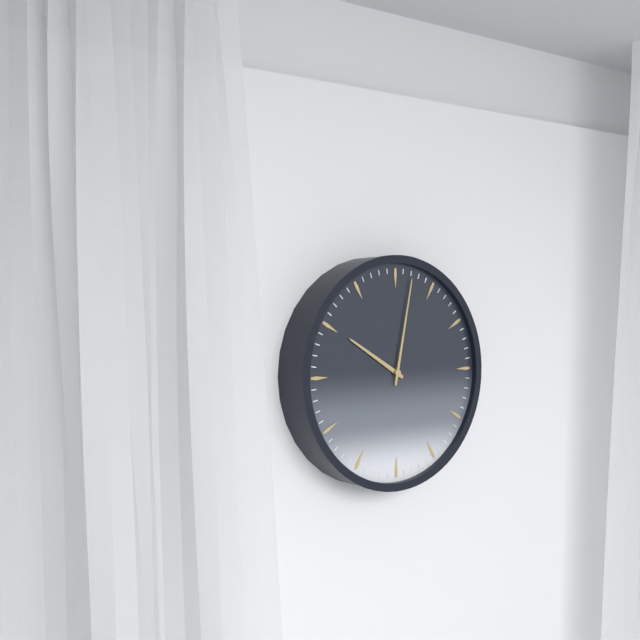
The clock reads 10 h 02 min
